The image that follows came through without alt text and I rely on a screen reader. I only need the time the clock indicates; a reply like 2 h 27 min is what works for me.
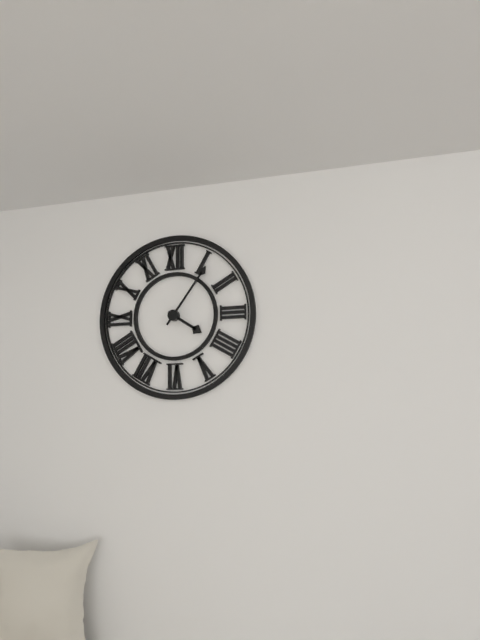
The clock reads 4 h 06 min
